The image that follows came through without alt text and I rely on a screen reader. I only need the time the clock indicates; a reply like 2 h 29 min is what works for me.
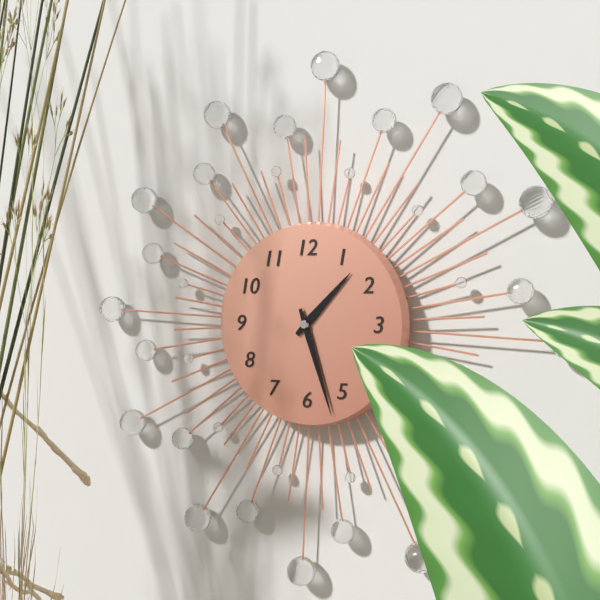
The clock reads 1 h 27 min
